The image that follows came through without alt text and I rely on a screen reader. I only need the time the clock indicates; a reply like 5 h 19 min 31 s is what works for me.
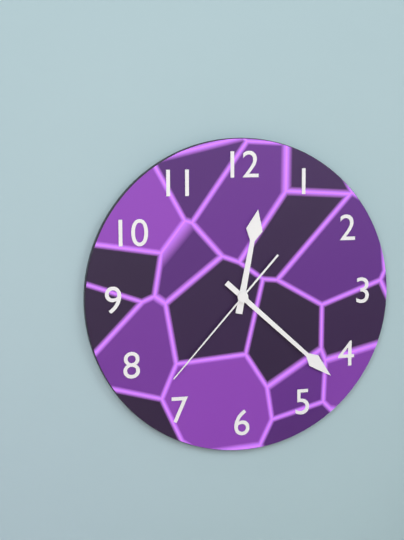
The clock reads 12 h 22 min 37 s
